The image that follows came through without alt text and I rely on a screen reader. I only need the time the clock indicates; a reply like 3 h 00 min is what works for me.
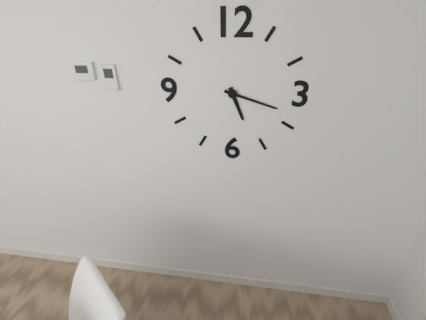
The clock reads 5 h 18 min
